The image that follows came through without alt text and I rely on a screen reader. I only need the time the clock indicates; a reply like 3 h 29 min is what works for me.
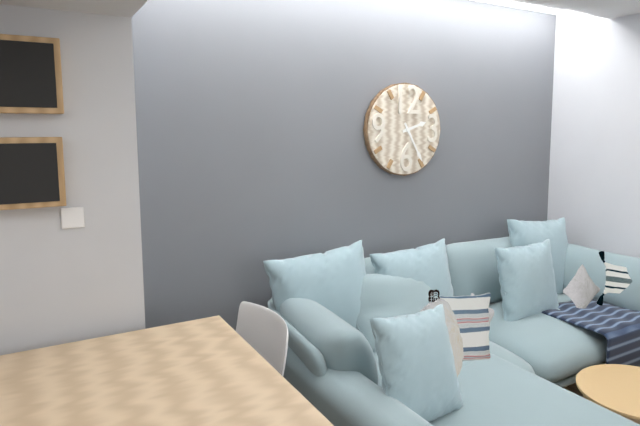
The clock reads 2 h 25 min
